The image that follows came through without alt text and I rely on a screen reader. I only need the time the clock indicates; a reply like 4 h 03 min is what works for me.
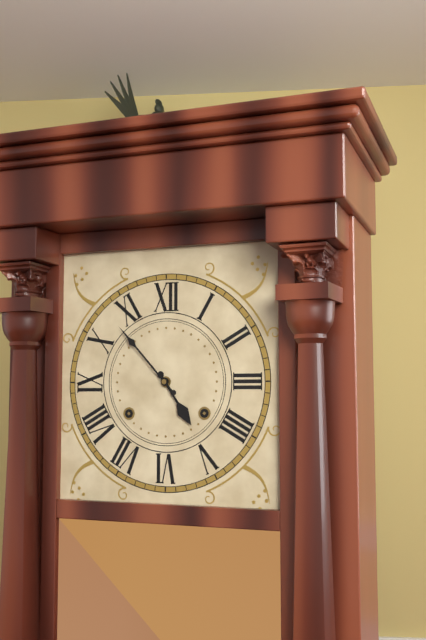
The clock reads 4 h 53 min
